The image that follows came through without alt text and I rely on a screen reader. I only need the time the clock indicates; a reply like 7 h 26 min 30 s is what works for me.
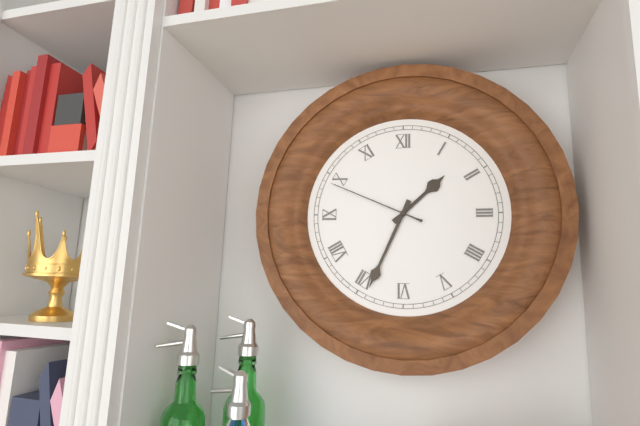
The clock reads 1 h 34 min 49 s
